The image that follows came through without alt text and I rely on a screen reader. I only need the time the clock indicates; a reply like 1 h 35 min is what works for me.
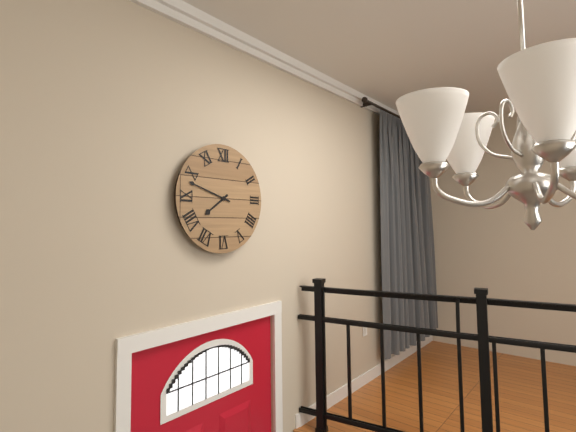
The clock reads 7 h 48 min
